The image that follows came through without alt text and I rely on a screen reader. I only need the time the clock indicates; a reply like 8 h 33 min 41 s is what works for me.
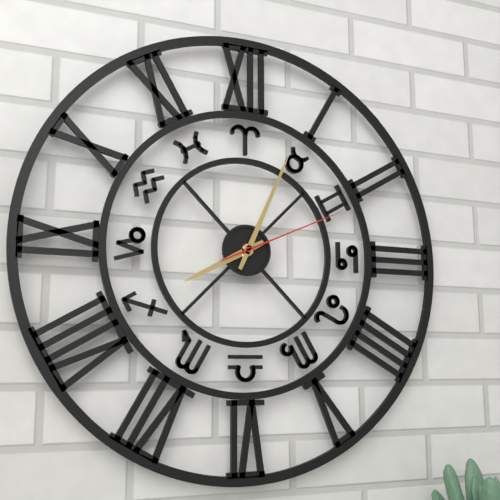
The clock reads 8 h 04 min 11 s
